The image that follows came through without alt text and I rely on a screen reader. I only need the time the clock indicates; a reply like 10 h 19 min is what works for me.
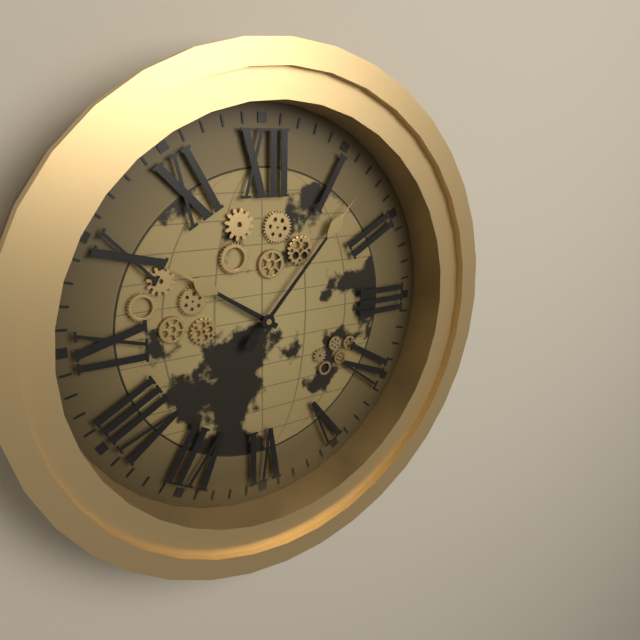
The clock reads 10 h 07 min
